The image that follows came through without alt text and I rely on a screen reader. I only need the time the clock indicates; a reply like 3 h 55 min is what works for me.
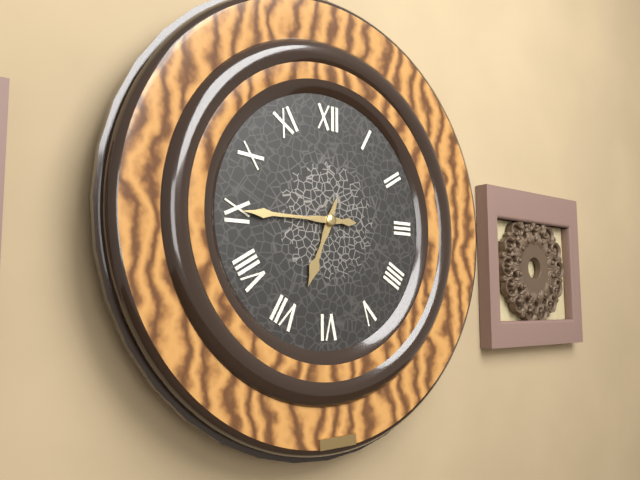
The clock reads 6 h 45 min
